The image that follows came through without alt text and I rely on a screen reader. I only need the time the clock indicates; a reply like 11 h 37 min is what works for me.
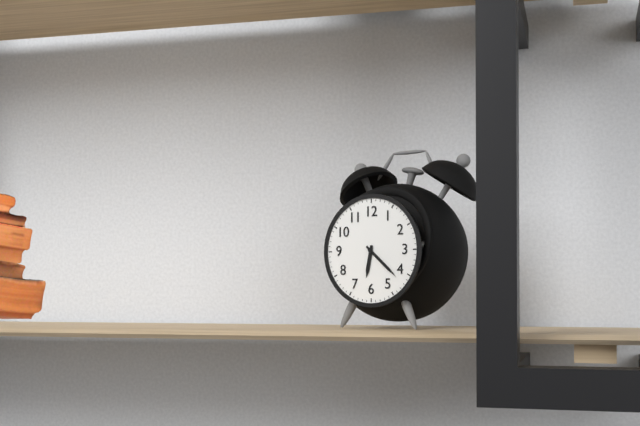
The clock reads 6 h 22 min
